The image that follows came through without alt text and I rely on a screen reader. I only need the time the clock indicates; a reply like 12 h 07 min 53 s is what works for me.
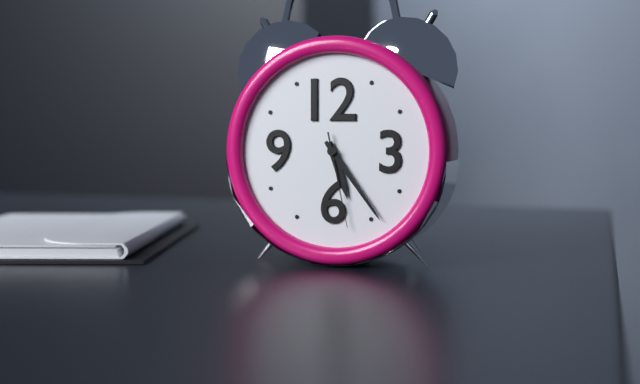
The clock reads 5 h 24 min 28 s
